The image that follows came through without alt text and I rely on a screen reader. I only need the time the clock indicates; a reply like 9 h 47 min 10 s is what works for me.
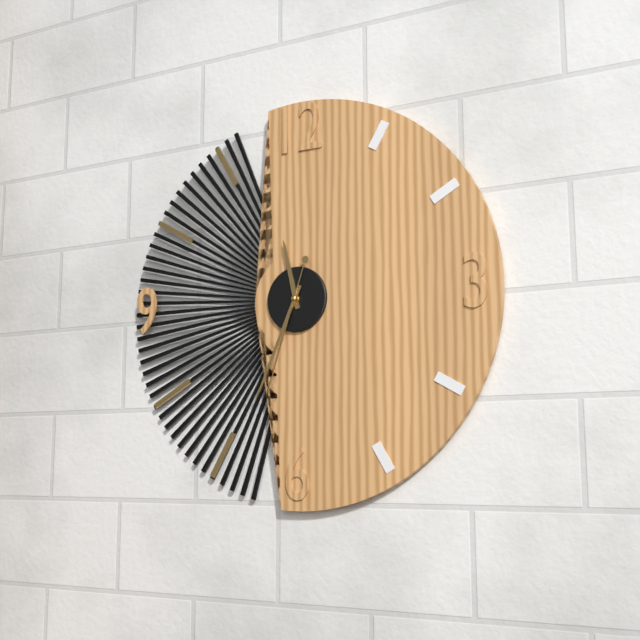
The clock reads 11 h 34 min 33 s
